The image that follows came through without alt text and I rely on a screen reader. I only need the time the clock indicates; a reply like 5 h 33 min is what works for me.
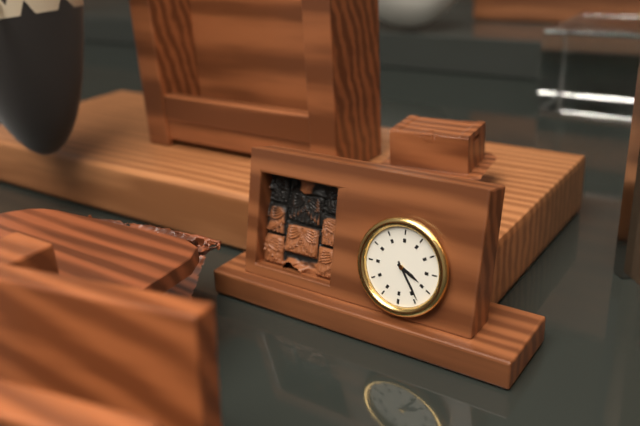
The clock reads 9 h 54 min
